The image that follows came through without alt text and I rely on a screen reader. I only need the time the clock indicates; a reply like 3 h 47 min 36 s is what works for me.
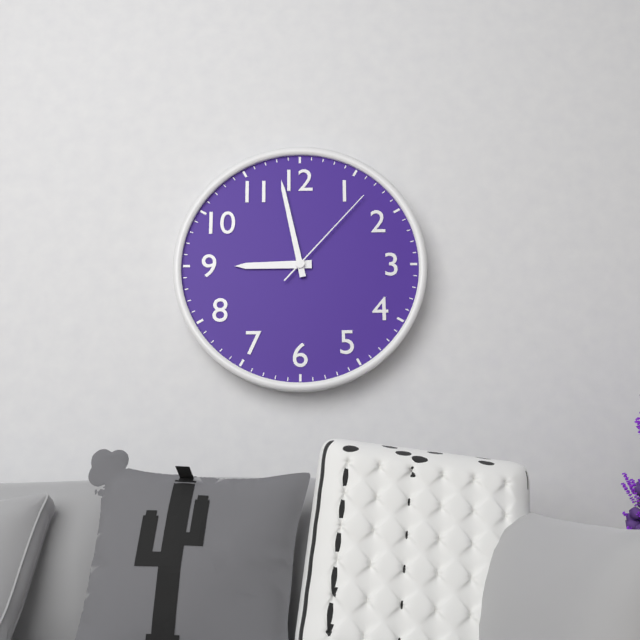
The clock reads 8 h 58 min 07 s
